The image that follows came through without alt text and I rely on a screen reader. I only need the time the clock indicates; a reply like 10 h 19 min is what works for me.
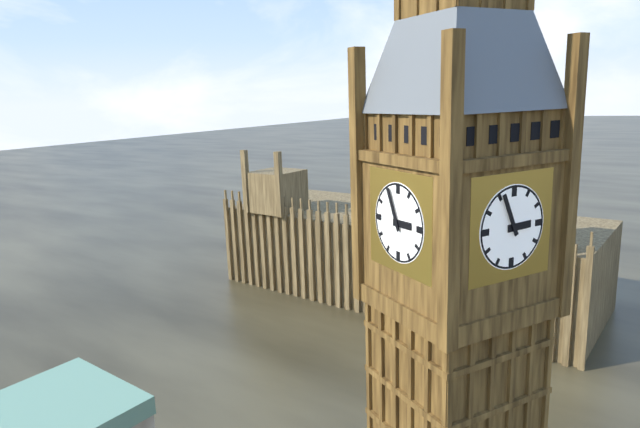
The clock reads 2 h 56 min
